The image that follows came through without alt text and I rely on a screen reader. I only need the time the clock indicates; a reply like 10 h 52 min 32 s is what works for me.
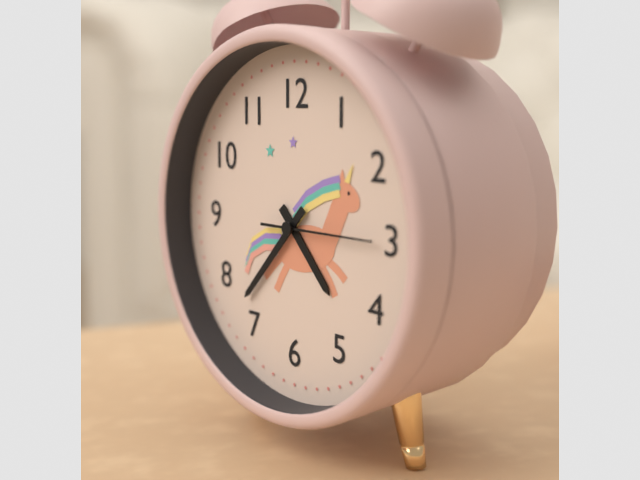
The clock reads 4 h 37 min 15 s
